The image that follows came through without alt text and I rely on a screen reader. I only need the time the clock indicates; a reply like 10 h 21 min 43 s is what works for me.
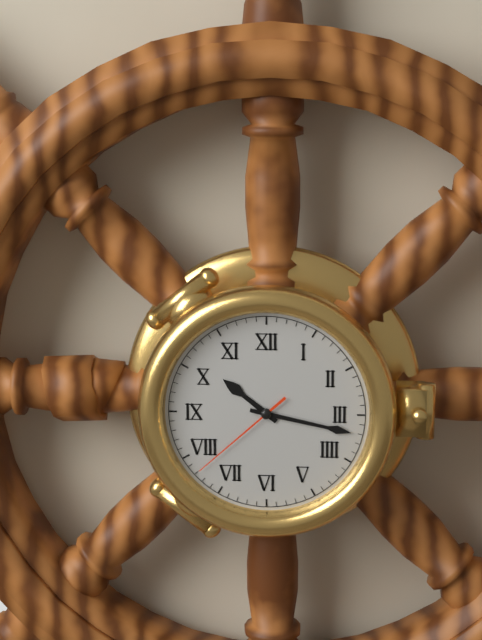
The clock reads 10 h 17 min 38 s
